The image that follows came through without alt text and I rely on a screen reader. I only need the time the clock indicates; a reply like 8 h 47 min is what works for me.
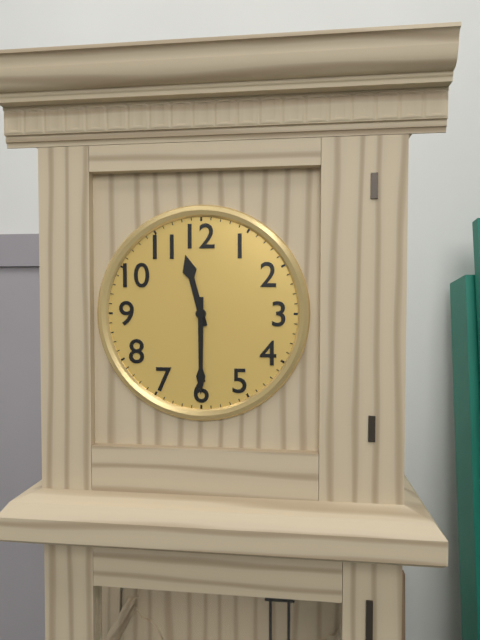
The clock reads 11 h 30 min
